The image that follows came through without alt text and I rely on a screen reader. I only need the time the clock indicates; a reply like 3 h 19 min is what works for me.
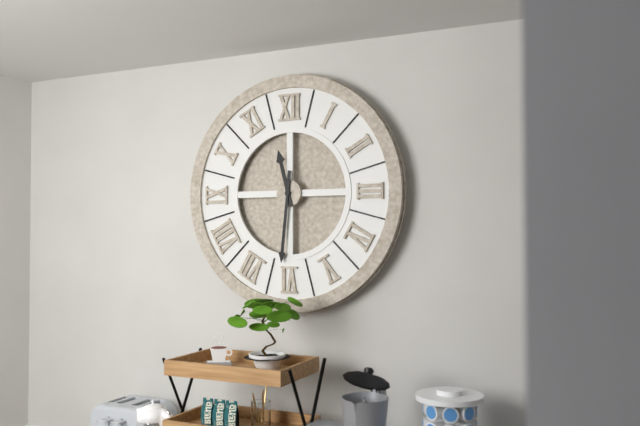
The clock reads 11 h 31 min
